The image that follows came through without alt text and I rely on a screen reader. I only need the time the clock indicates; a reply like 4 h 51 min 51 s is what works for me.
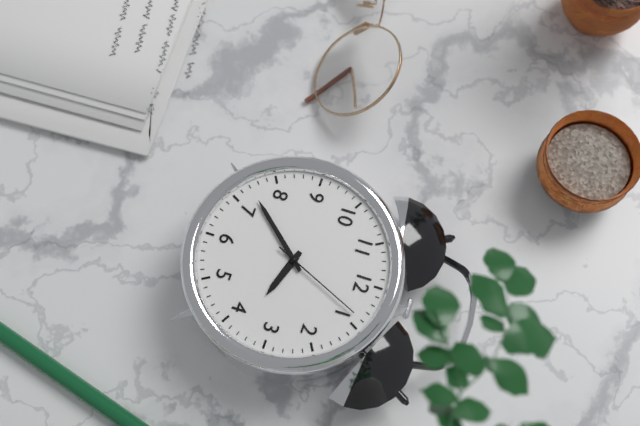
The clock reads 3 h 37 min 04 s
